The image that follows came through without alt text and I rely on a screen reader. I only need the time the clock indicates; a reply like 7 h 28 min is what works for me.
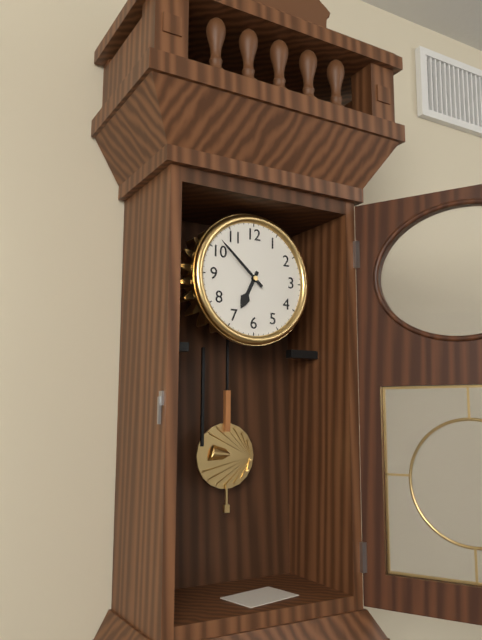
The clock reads 6 h 52 min
